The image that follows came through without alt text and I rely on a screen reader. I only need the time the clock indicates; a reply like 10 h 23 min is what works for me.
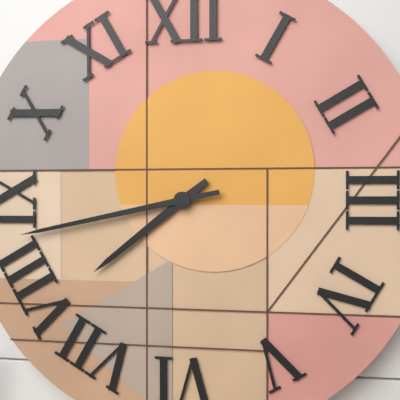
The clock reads 7 h 43 min
